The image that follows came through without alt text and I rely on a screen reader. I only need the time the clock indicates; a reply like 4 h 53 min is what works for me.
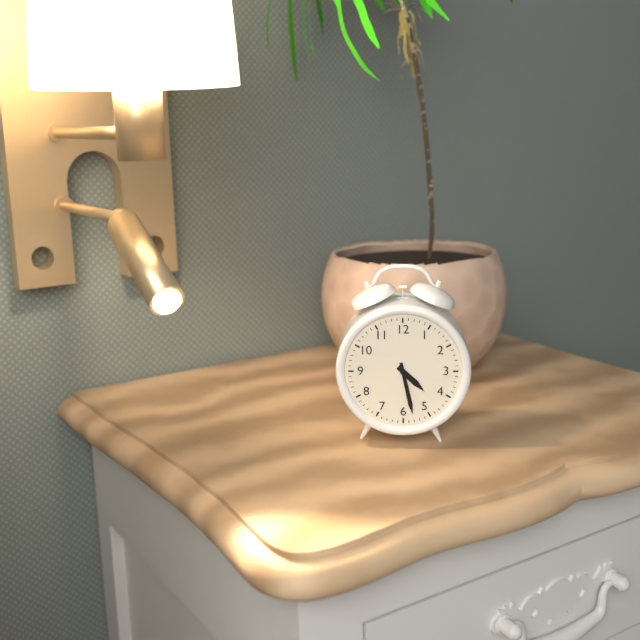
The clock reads 4 h 28 min
